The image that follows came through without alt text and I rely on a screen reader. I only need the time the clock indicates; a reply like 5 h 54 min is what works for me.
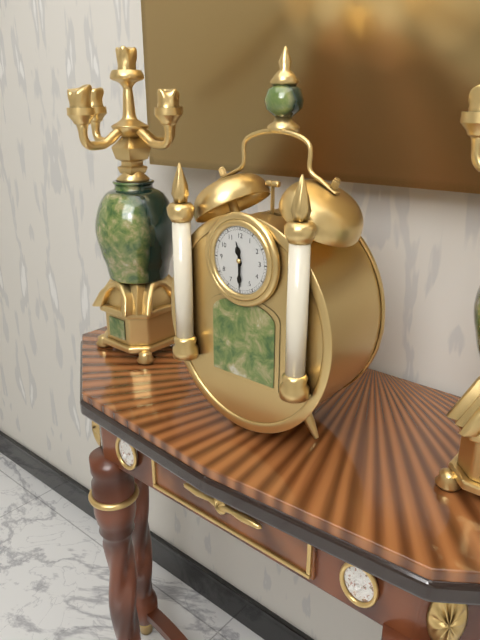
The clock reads 11 h 30 min
